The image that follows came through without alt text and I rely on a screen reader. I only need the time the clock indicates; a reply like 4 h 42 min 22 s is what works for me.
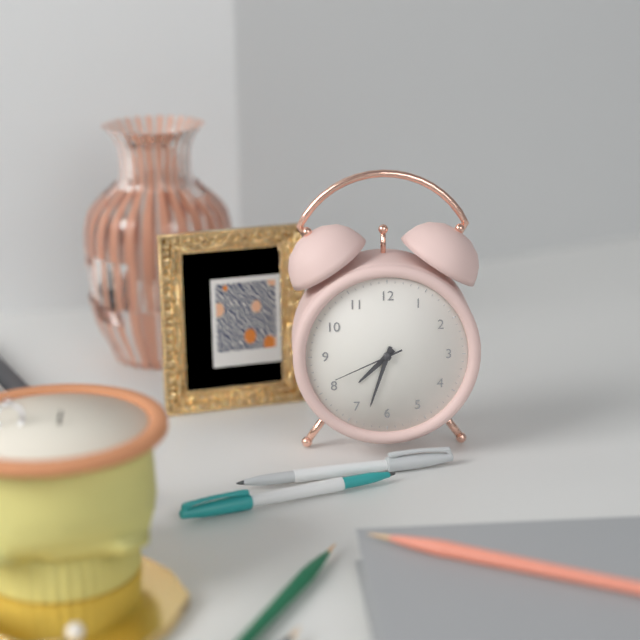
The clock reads 7 h 33 min 41 s
